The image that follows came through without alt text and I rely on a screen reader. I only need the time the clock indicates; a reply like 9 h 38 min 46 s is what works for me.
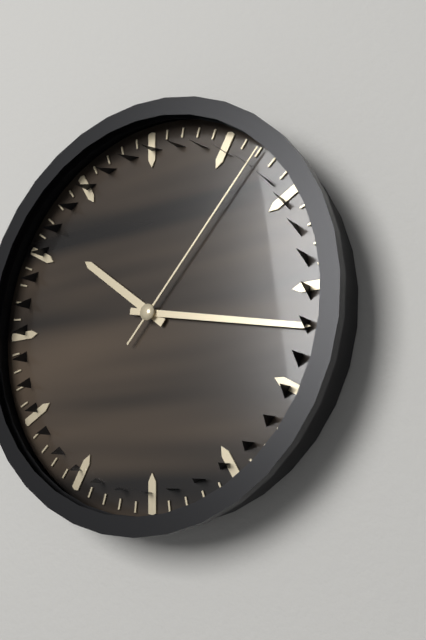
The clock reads 10 h 17 min 07 s
